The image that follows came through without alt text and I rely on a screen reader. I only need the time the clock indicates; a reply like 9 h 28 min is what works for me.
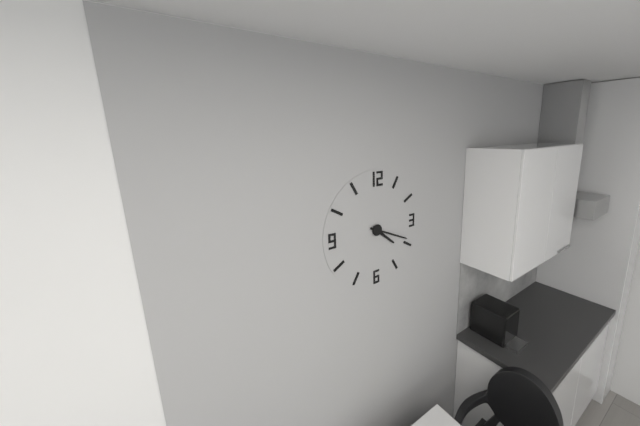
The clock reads 4 h 19 min
